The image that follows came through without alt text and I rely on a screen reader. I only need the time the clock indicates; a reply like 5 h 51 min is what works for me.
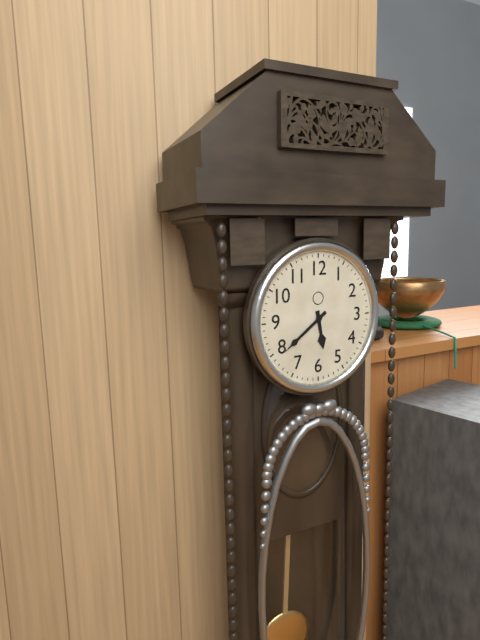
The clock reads 5 h 39 min
